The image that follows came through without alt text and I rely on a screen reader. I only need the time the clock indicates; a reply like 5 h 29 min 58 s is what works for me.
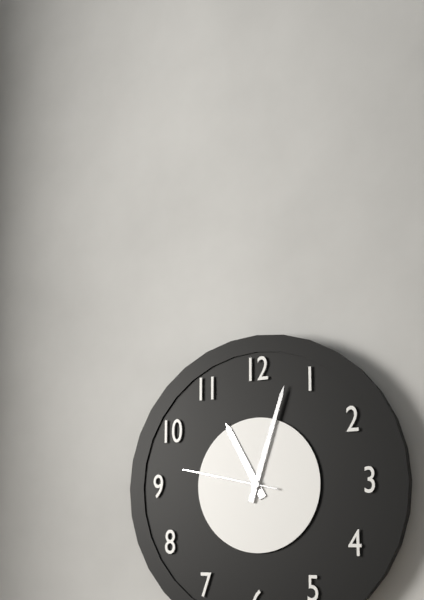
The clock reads 11 h 03 min 47 s
